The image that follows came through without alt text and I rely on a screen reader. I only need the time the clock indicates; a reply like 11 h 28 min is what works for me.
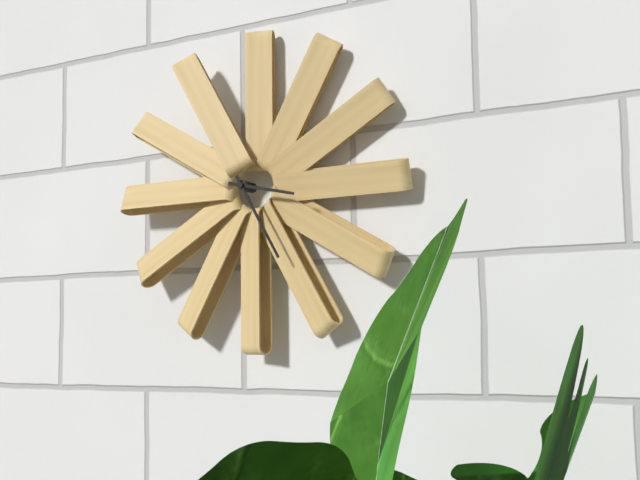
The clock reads 3 h 25 min
